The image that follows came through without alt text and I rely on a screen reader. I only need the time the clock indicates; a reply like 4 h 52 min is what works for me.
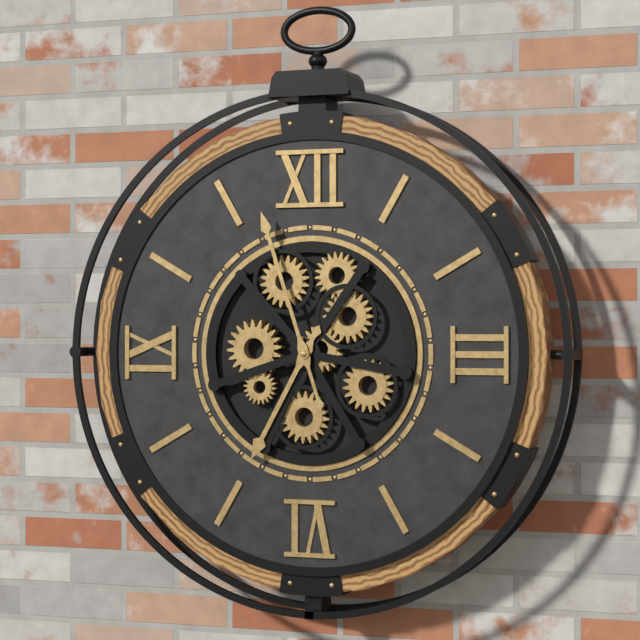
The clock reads 6 h 57 min
